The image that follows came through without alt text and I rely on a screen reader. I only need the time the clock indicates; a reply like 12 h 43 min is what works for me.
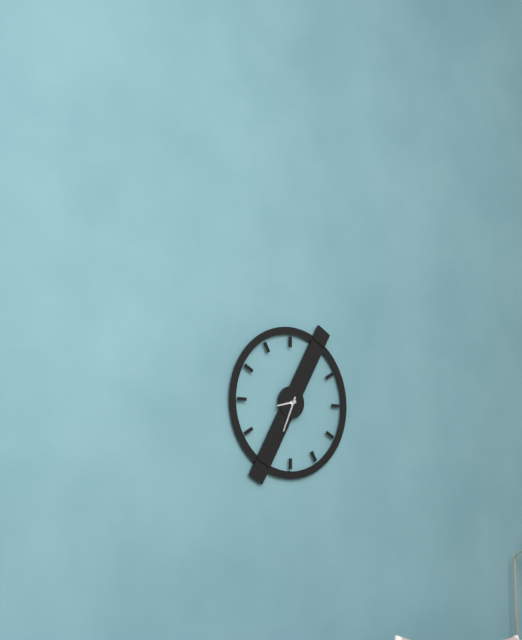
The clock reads 8 h 34 min
